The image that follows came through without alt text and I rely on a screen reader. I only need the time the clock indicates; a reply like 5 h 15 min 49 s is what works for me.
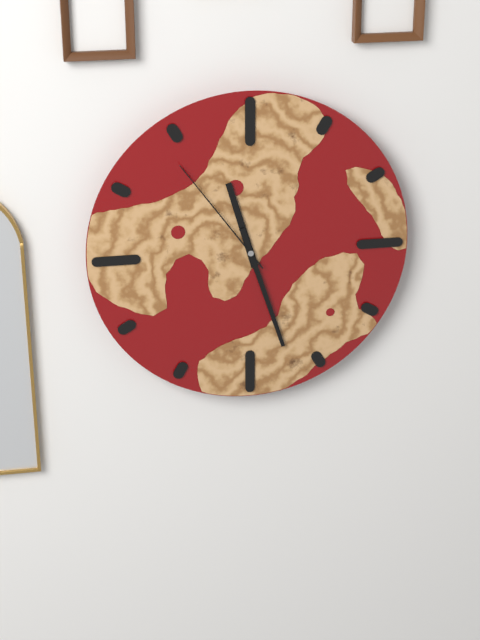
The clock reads 11 h 27 min 54 s
